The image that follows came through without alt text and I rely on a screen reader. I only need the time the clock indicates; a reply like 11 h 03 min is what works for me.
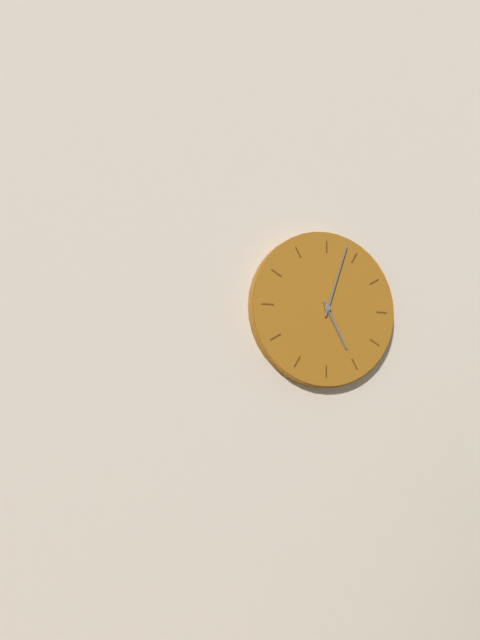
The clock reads 5 h 03 min
